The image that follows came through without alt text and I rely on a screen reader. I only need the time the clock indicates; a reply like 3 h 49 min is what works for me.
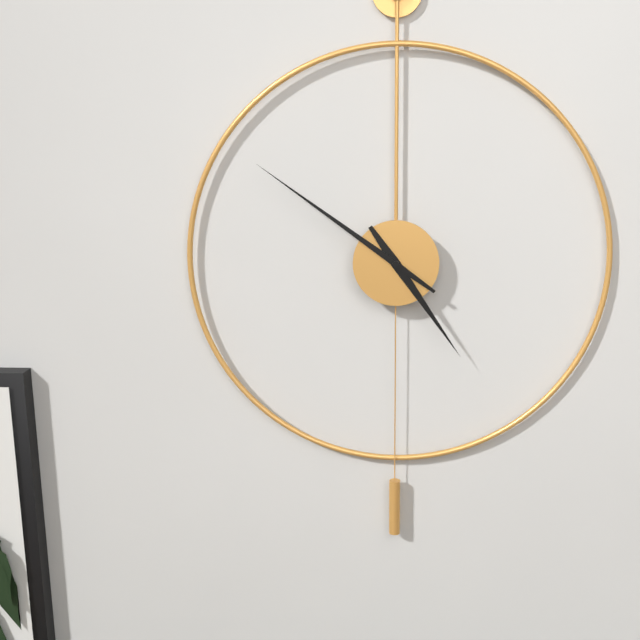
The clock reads 4 h 51 min
